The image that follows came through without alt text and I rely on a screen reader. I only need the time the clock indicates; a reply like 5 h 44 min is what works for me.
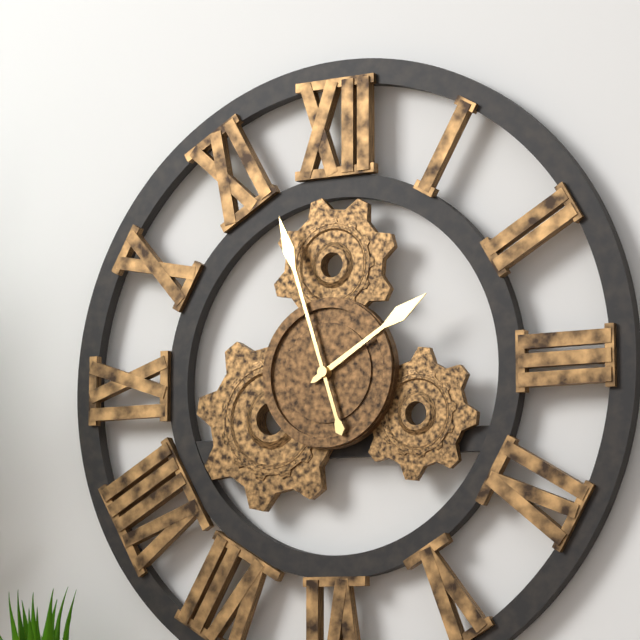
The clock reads 1 h 57 min
